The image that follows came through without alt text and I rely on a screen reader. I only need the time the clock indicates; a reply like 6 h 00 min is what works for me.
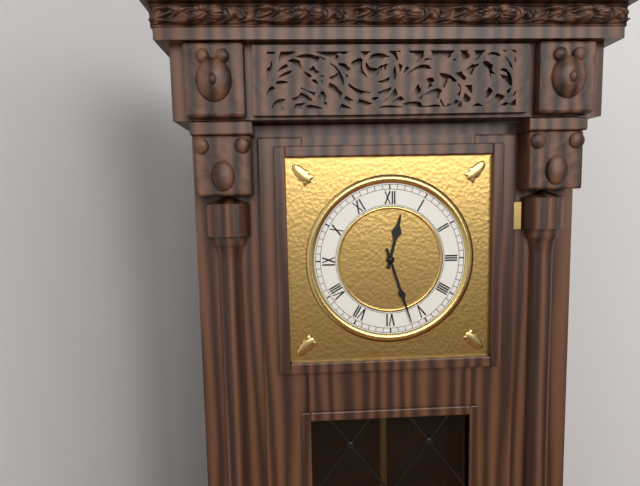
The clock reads 12 h 27 min
